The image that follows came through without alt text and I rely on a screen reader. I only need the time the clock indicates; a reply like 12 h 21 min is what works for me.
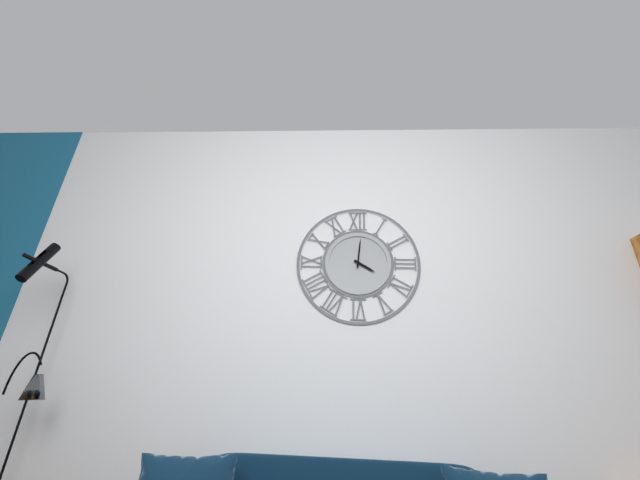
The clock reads 4 h 01 min
